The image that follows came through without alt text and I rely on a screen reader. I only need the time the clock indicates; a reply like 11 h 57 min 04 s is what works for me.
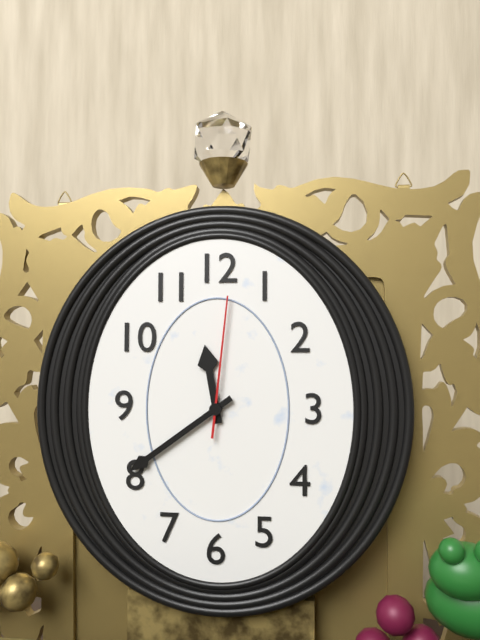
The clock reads 11 h 39 min 01 s
